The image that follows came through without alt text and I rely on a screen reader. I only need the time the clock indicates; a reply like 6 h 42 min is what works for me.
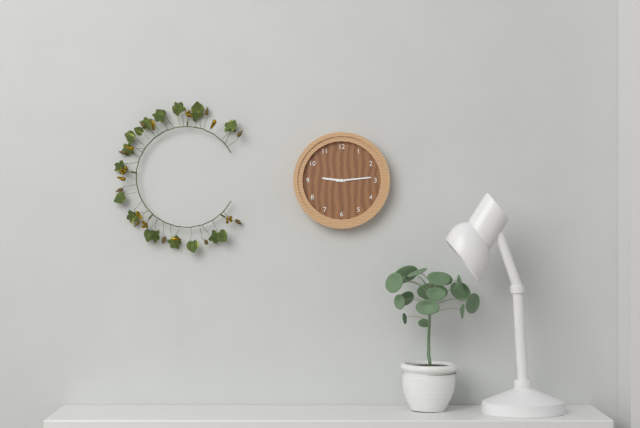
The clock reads 9 h 14 min
